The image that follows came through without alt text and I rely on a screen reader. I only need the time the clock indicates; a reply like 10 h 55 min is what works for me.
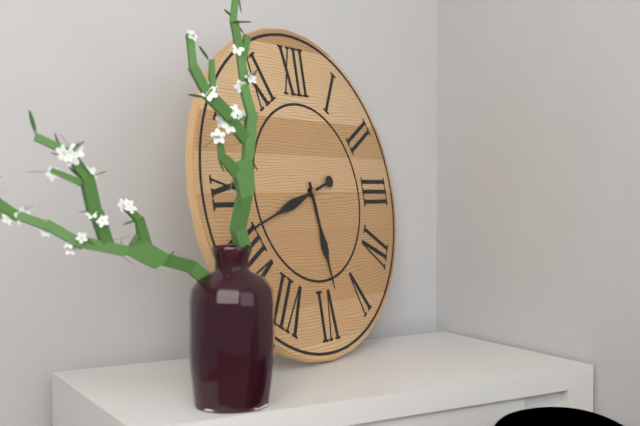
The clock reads 5 h 42 min
